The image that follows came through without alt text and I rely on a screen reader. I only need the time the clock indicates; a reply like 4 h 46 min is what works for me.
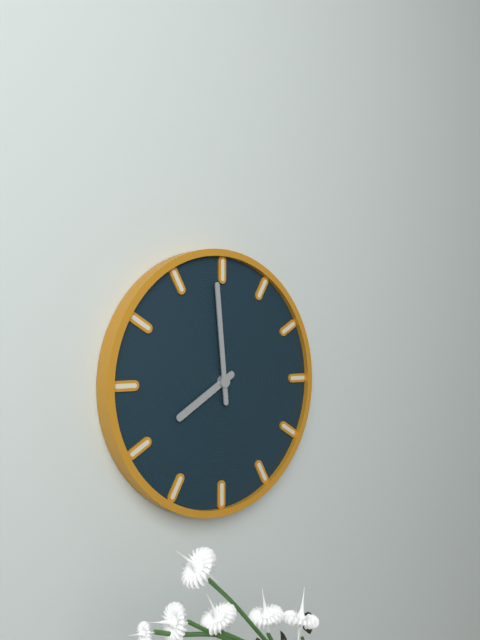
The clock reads 7 h 59 min
